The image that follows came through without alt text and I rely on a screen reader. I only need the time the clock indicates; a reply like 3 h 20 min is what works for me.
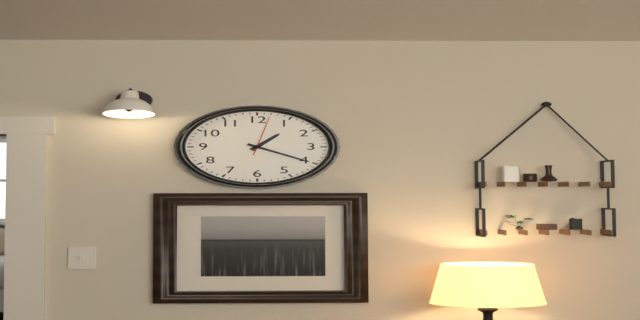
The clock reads 1 h 20 min
